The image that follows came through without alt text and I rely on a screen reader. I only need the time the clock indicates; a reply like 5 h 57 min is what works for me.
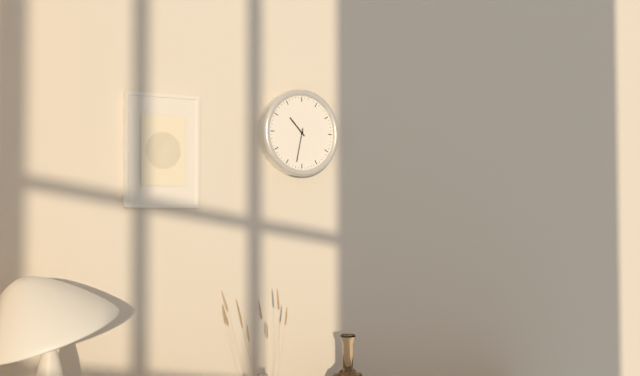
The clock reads 10 h 32 min
